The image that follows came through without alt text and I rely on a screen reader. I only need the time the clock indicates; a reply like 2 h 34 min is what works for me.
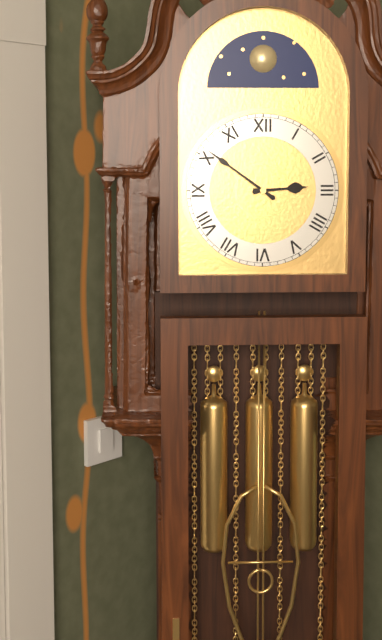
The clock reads 2 h 51 min
